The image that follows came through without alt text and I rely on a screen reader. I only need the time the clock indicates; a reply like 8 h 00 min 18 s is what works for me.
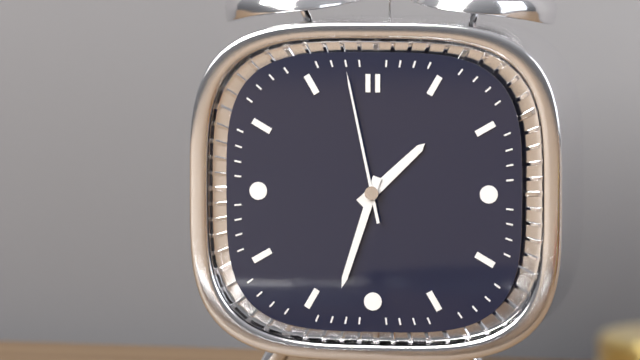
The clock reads 1 h 33 min 58 s
